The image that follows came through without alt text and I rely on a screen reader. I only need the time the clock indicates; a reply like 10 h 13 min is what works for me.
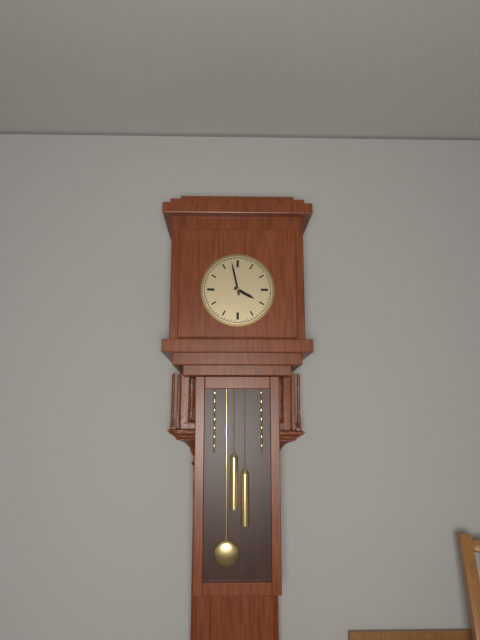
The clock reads 3 h 58 min
